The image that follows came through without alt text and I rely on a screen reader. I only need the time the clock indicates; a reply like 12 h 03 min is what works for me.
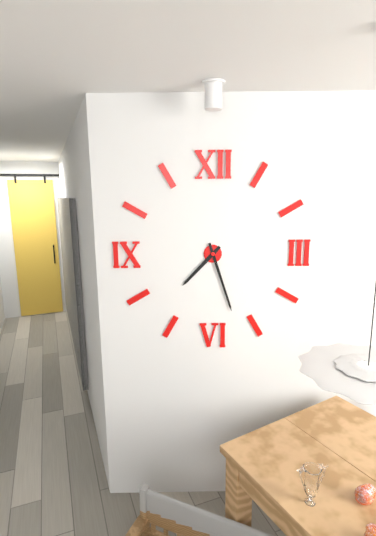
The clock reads 7 h 27 min
